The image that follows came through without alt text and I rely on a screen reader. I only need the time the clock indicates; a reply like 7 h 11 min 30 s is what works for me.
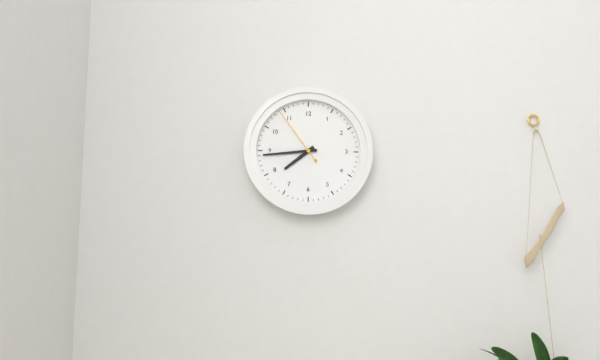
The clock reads 7 h 44 min 54 s
